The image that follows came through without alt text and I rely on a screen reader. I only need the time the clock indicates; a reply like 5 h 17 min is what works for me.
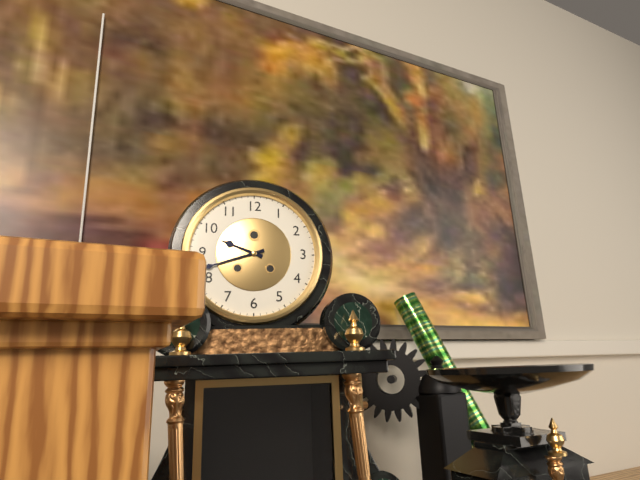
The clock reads 9 h 42 min
